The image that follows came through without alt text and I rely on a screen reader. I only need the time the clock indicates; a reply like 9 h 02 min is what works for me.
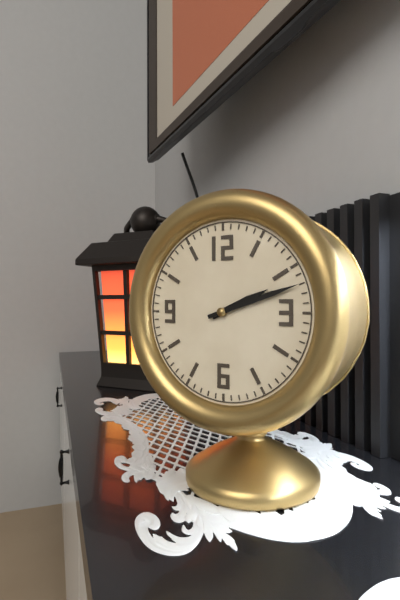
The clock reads 2 h 12 min
